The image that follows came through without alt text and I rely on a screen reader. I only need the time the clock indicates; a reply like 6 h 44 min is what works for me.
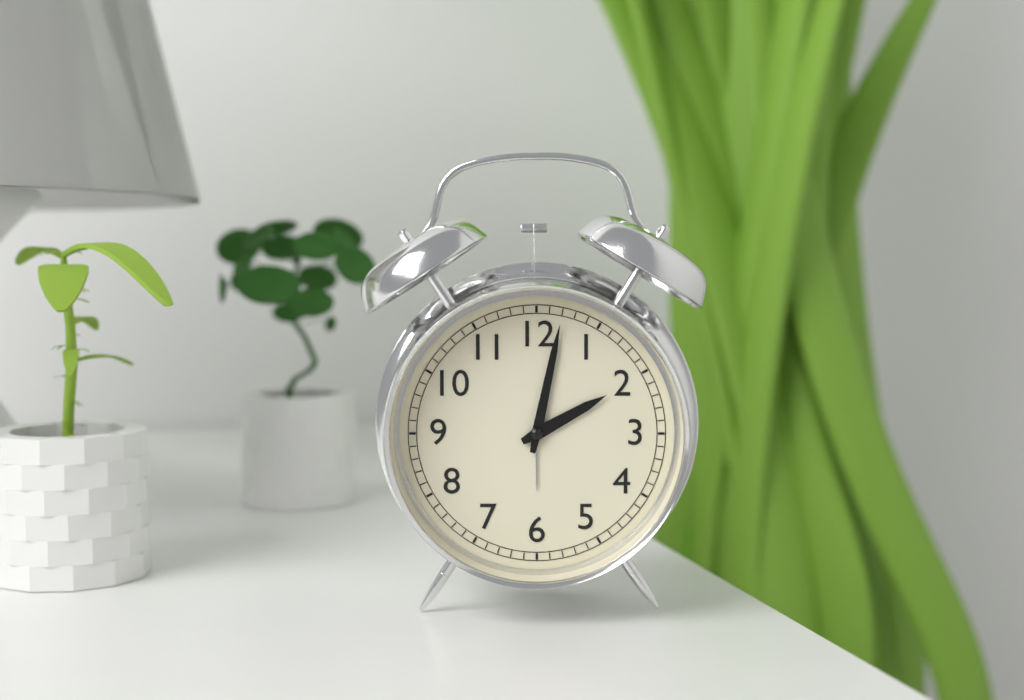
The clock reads 2 h 02 min
